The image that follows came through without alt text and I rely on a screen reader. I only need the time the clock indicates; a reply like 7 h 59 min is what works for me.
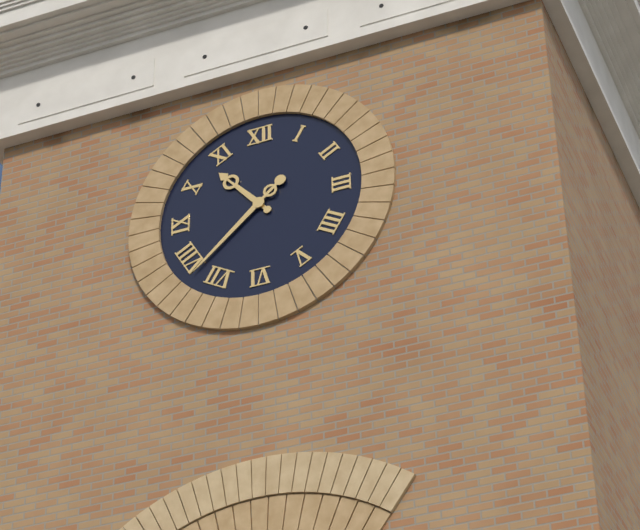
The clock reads 10 h 38 min
